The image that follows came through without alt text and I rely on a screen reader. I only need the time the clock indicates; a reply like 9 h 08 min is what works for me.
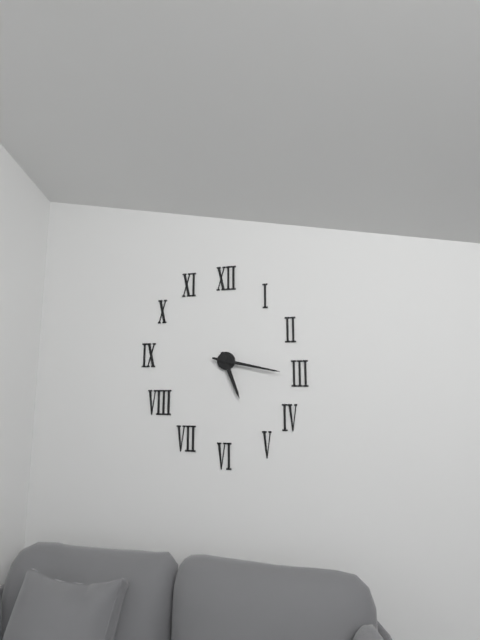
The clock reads 5 h 17 min
